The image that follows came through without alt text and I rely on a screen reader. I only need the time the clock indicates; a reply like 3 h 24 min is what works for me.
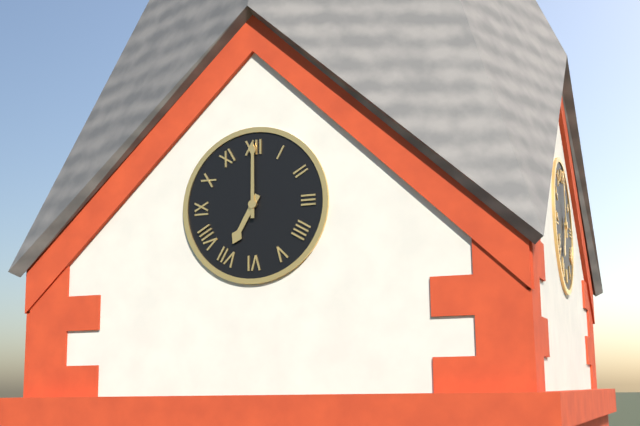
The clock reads 7 h 00 min
